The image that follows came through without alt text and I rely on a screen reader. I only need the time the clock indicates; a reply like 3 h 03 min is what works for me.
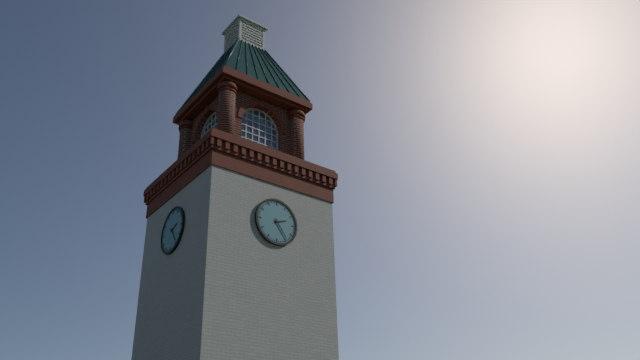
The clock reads 2 h 24 min
